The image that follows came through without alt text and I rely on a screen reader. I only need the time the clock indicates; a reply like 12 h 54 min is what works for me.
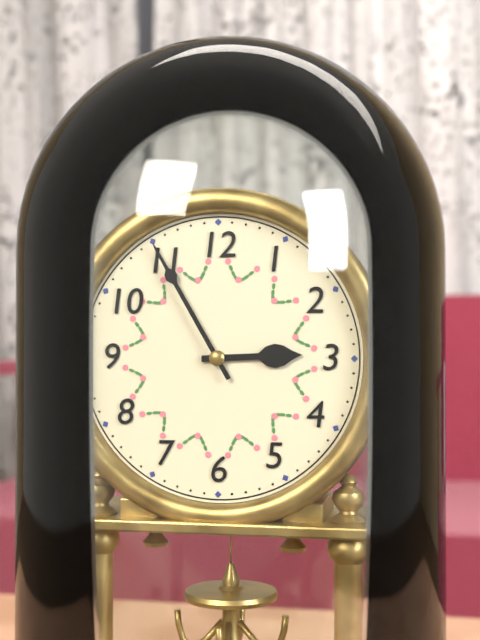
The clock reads 2 h 55 min
